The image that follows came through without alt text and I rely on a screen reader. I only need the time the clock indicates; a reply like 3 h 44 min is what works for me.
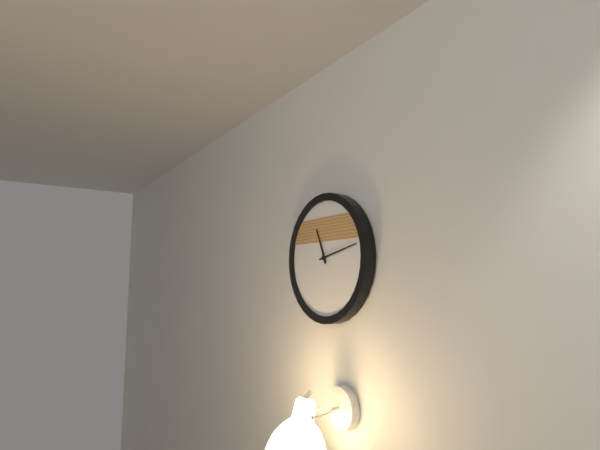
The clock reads 11 h 13 min
